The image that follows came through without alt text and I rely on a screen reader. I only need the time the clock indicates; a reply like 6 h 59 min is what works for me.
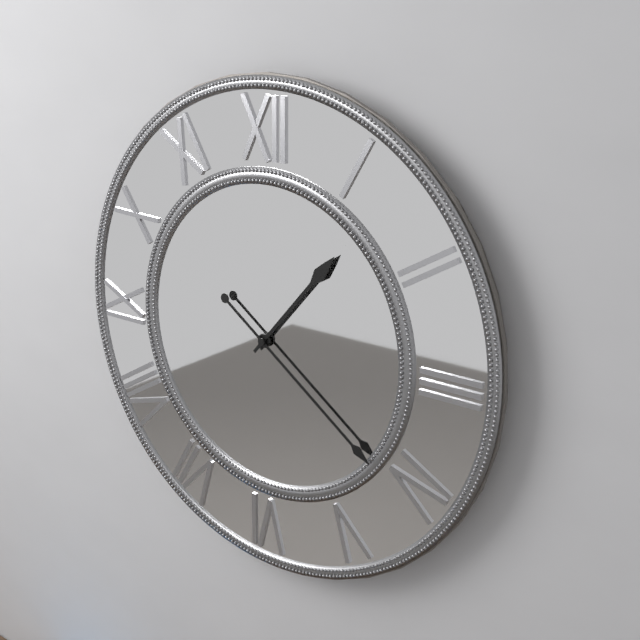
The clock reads 1 h 21 min
